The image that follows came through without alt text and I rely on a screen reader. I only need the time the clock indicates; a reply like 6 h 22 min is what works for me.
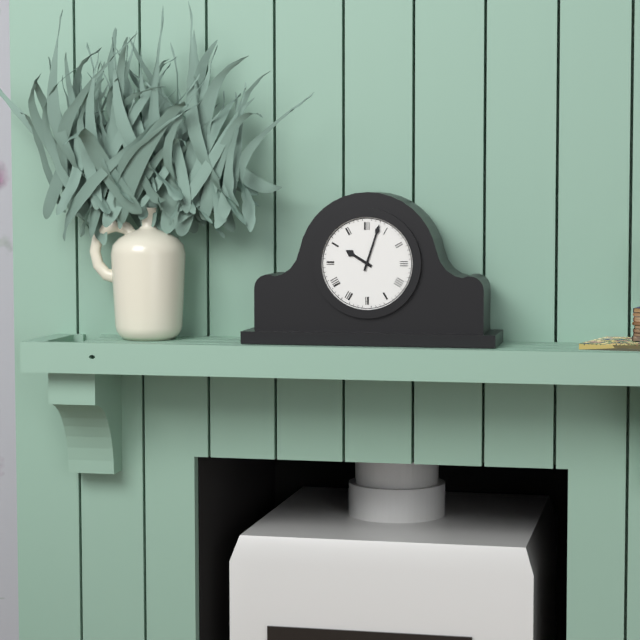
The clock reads 10 h 03 min
